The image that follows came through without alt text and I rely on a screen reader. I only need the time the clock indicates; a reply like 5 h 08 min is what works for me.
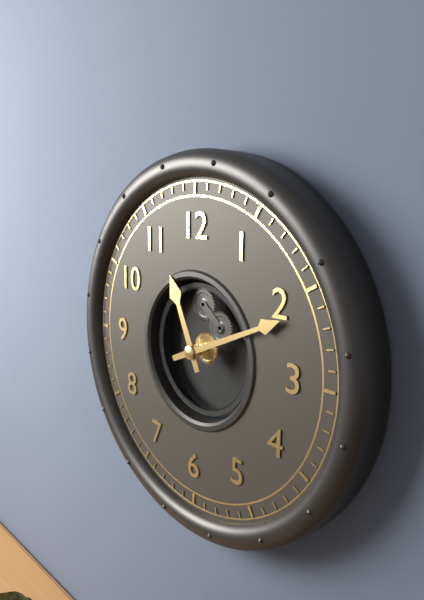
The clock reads 11 h 11 min
